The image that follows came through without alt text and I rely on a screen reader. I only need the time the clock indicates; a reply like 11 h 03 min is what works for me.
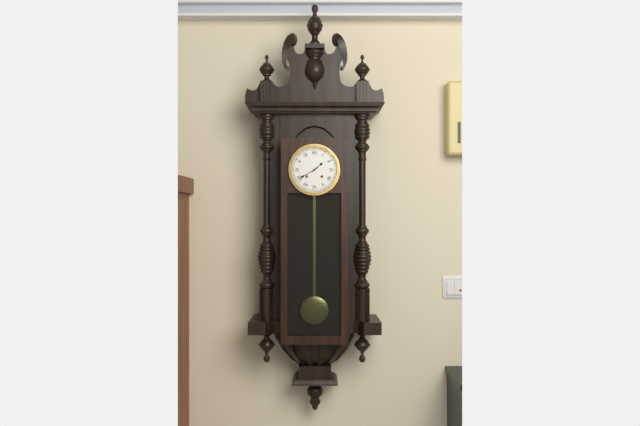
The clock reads 1 h 40 min
